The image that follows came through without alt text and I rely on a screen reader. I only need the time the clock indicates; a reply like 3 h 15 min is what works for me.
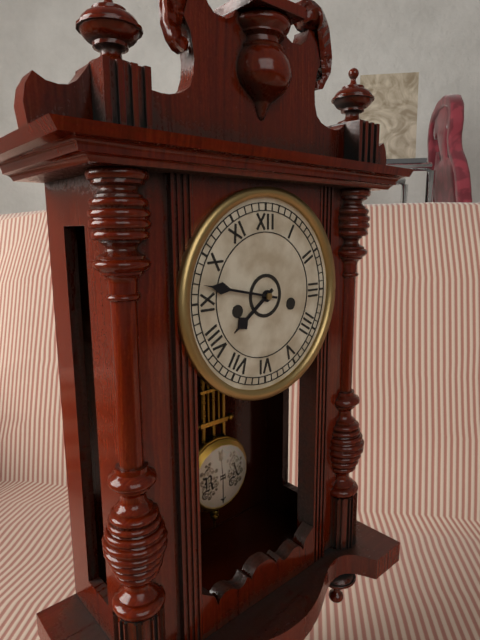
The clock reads 7 h 47 min
